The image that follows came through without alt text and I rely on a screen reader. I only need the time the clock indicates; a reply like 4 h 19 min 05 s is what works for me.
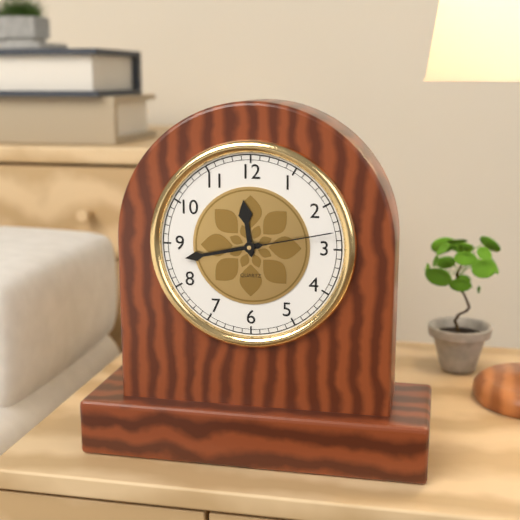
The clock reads 11 h 43 min 13 s
